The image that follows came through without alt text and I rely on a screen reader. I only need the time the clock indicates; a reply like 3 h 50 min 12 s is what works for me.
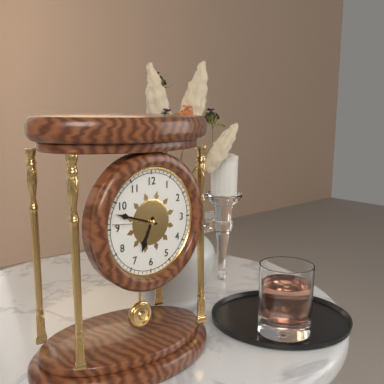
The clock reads 6 h 48 min 46 s
